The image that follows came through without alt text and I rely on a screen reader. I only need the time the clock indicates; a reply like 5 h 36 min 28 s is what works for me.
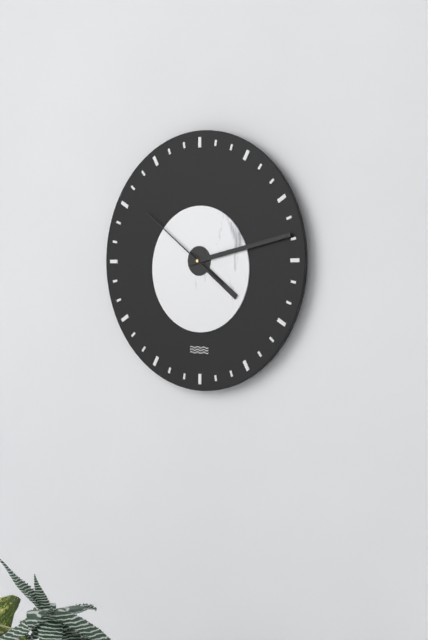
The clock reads 4 h 13 min 51 s
